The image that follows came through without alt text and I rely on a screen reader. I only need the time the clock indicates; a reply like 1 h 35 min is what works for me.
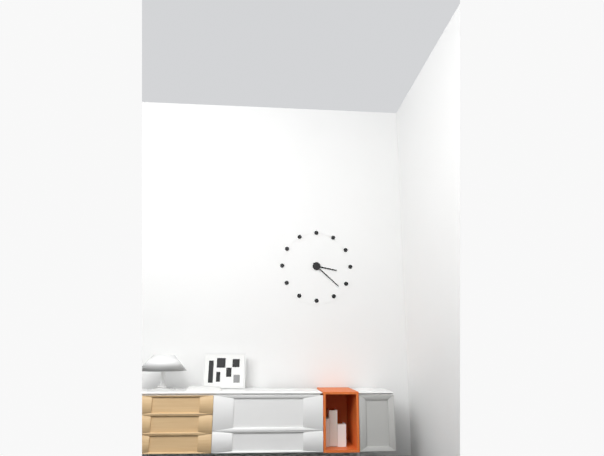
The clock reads 3 h 22 min
